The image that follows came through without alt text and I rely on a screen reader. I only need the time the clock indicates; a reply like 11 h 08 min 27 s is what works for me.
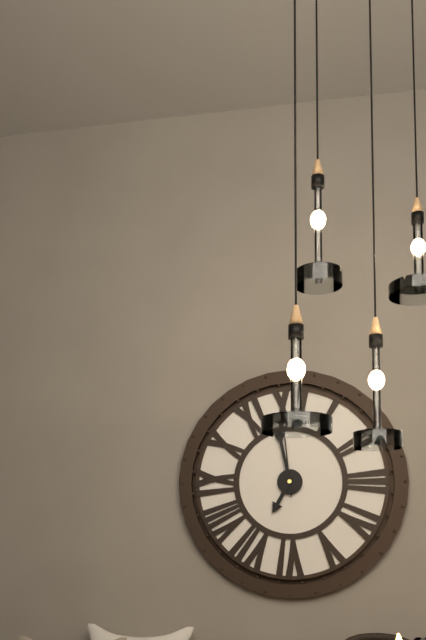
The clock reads 6 h 58 min 59 s
